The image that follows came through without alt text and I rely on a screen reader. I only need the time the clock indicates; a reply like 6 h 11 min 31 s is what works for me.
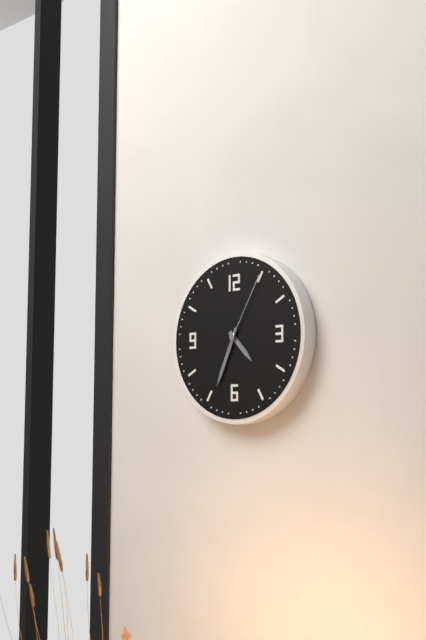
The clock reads 4 h 34 min 05 s
